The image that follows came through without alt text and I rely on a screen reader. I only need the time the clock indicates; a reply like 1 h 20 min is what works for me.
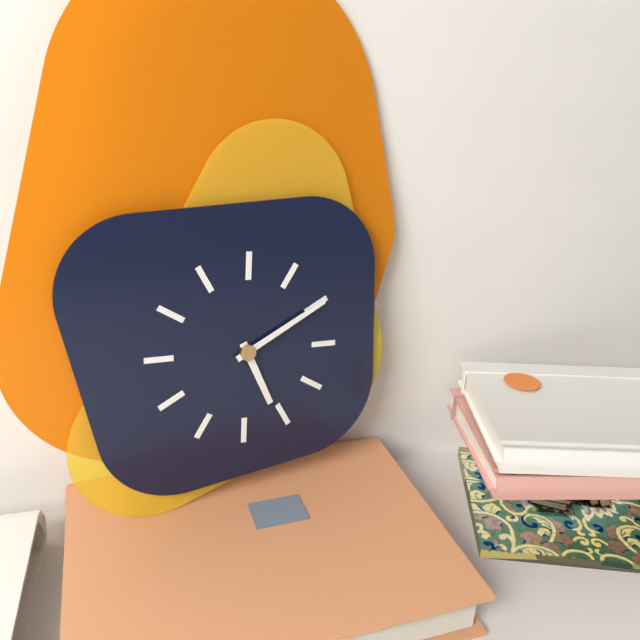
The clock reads 5 h 10 min
